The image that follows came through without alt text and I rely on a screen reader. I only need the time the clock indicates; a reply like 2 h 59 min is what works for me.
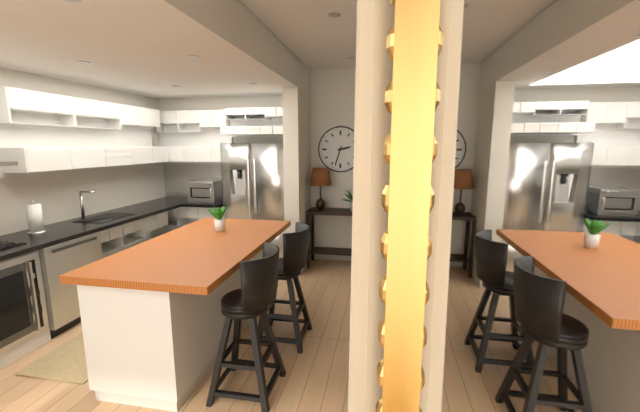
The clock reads 2 h 33 min
